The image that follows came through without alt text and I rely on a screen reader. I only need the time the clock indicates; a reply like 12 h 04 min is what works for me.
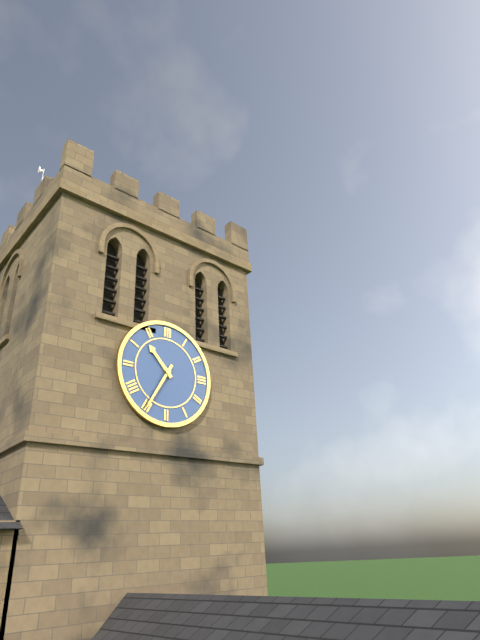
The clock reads 10 h 35 min
